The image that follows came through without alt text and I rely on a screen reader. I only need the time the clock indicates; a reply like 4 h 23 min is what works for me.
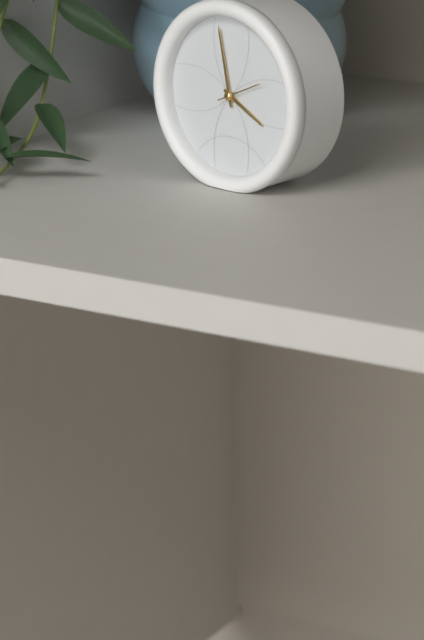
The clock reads 3 h 58 min
